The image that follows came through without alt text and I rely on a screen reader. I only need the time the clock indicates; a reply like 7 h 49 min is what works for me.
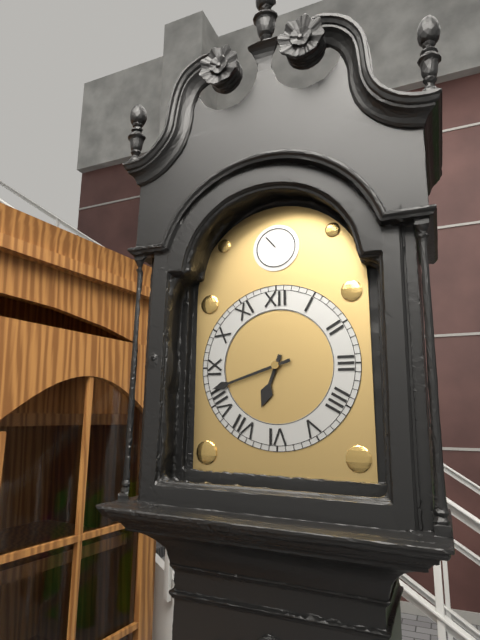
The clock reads 6 h 42 min
